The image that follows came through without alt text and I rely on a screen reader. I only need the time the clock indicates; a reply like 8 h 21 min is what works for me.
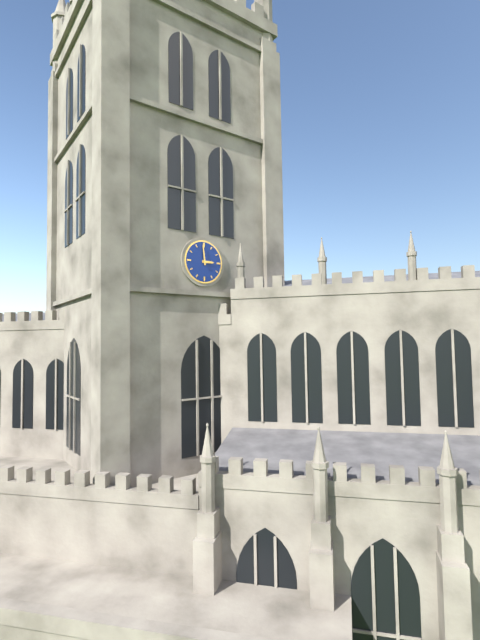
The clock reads 2 h 59 min
